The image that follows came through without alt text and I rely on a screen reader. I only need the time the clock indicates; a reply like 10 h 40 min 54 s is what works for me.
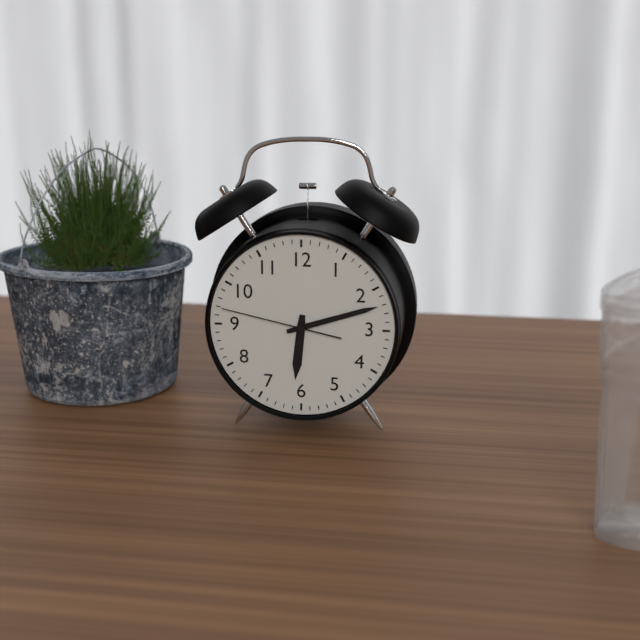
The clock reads 6 h 12 min 47 s
